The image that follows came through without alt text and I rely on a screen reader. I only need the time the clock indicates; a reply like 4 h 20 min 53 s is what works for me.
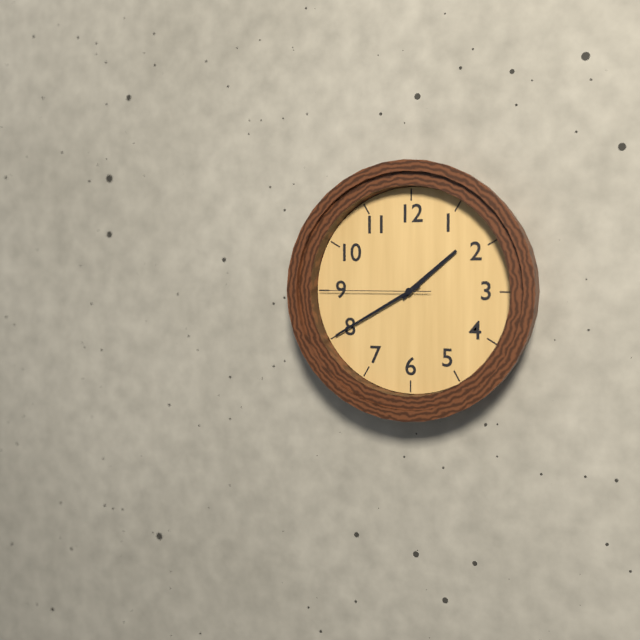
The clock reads 1 h 40 min 45 s
